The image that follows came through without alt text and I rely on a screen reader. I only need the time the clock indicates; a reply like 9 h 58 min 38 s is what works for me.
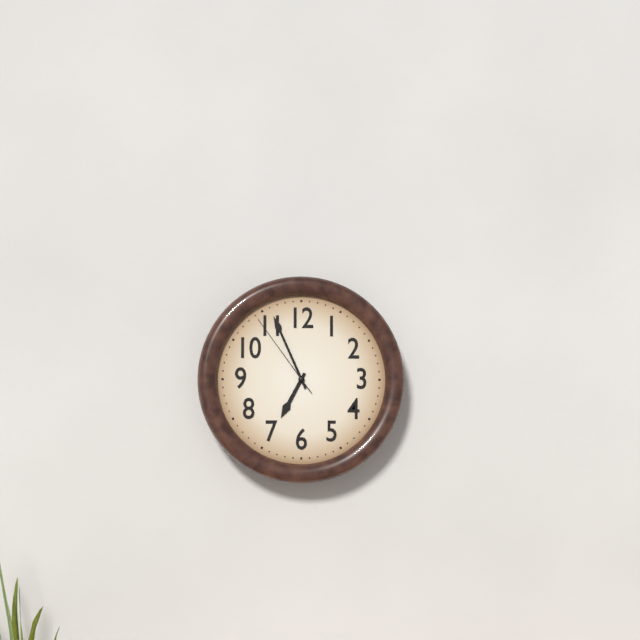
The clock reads 6 h 56 min 54 s
